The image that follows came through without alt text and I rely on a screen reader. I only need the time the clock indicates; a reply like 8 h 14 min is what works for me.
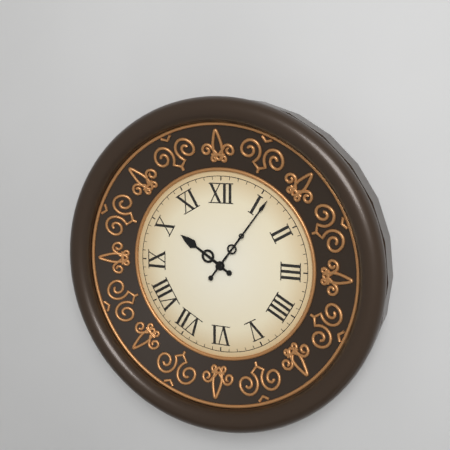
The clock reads 10 h 06 min
